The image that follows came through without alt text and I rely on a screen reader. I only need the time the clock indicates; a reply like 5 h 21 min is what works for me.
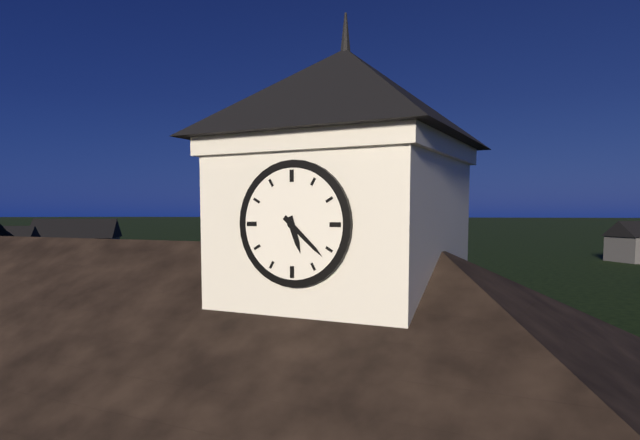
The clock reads 5 h 22 min
